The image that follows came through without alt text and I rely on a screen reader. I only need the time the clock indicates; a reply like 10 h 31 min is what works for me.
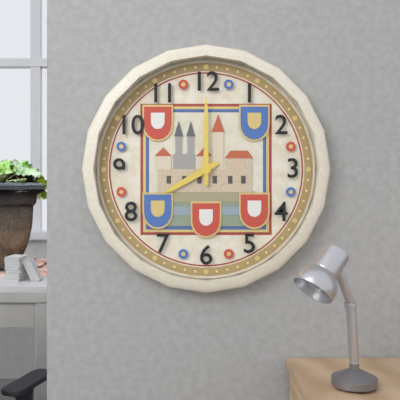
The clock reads 8 h 00 min
